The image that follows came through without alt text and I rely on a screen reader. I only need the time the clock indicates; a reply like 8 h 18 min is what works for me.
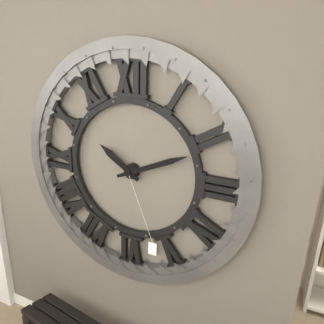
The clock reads 10 h 11 min
